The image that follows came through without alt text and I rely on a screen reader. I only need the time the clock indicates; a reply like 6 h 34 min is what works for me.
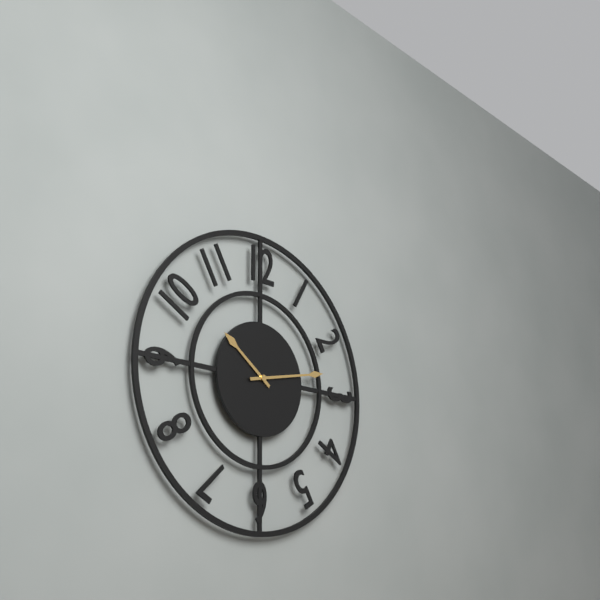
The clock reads 10 h 13 min
